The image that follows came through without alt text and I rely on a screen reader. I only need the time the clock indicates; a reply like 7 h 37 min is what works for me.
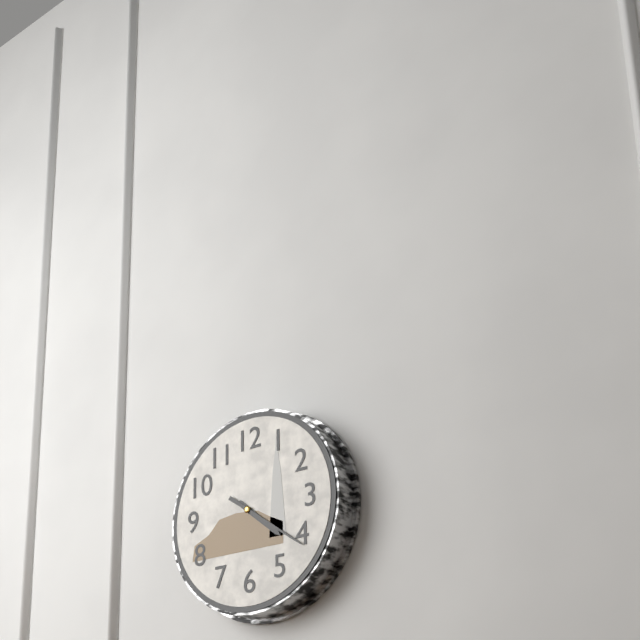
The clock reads 4 h 21 min
